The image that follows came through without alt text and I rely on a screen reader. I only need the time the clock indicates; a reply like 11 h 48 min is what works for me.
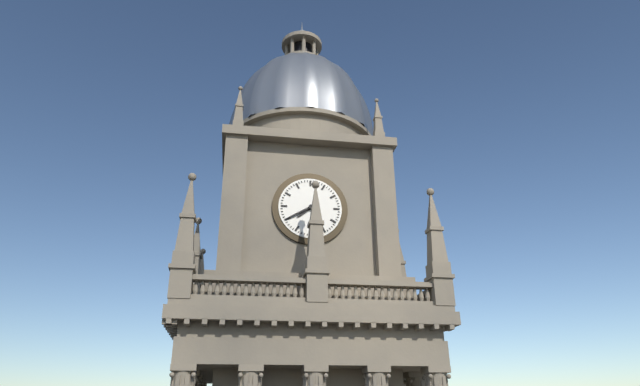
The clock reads 7 h 40 min
